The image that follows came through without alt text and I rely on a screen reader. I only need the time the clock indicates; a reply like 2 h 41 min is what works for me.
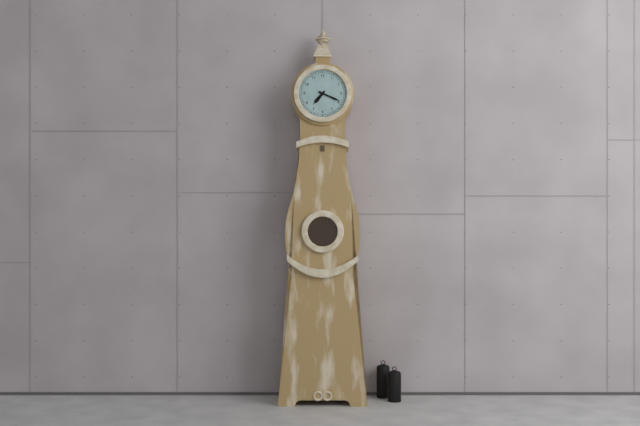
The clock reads 7 h 19 min
